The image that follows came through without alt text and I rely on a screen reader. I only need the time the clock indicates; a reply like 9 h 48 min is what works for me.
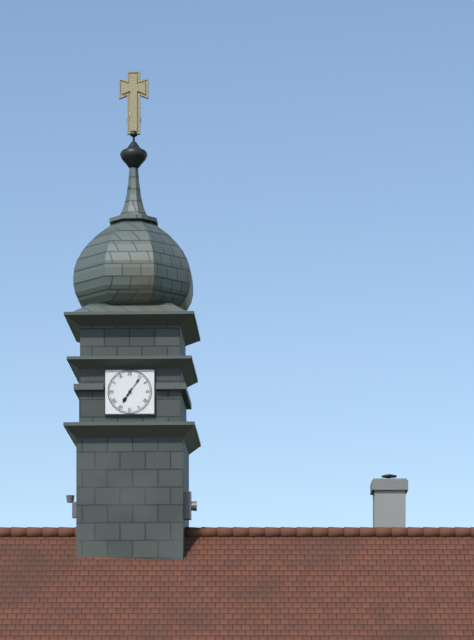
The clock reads 7 h 06 min
